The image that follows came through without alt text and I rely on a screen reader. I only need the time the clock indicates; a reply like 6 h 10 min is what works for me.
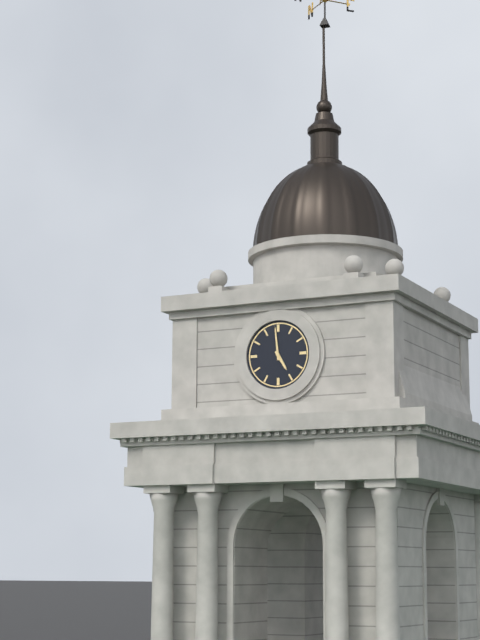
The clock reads 4 h 59 min
